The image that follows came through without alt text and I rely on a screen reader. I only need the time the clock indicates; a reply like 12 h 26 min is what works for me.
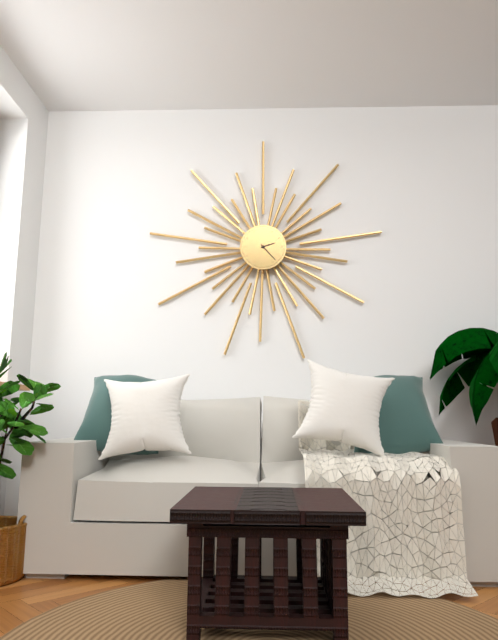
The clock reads 2 h 23 min
